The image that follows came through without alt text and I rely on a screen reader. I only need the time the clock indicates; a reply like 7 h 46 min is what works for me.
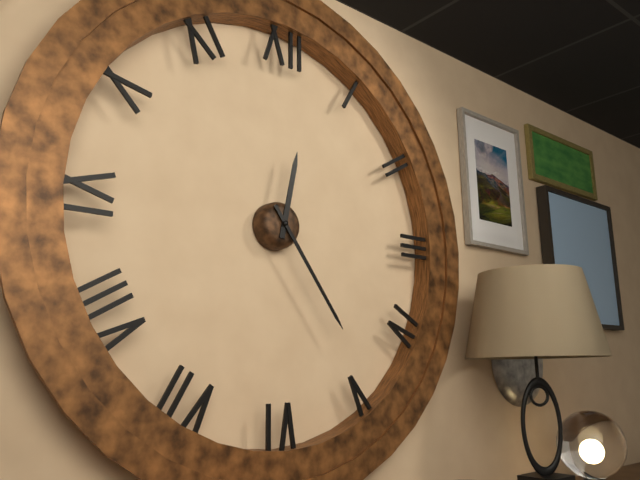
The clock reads 12 h 24 min
